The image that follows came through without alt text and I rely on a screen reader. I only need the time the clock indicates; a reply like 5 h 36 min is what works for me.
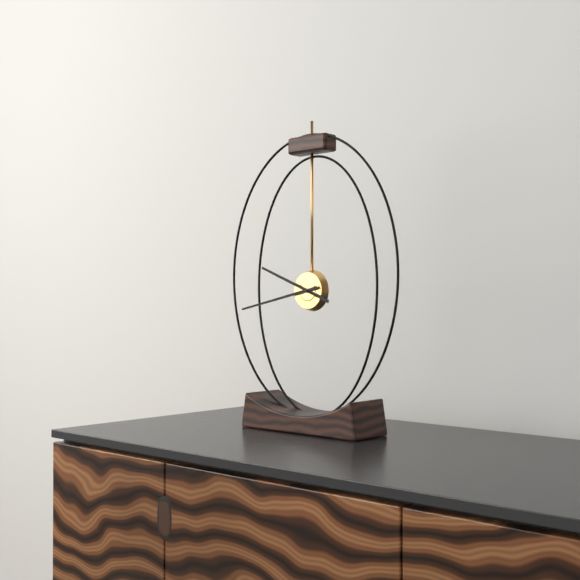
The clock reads 9 h 43 min
